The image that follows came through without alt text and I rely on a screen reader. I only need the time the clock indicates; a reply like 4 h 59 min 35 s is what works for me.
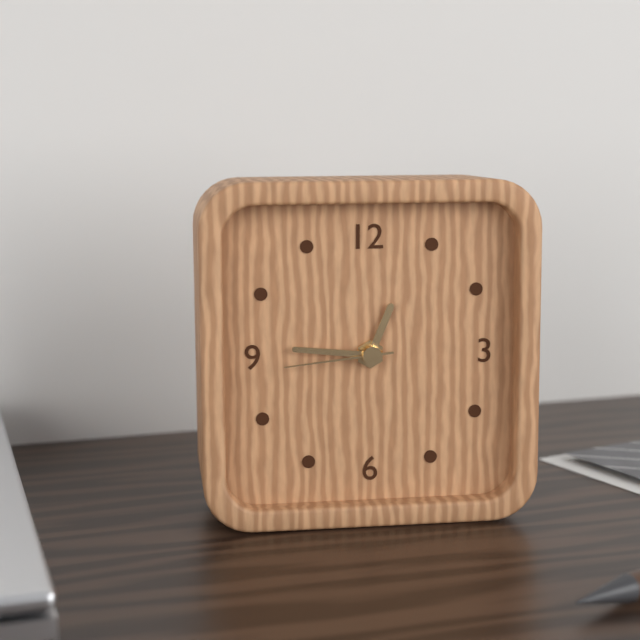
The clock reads 12 h 46 min 44 s
